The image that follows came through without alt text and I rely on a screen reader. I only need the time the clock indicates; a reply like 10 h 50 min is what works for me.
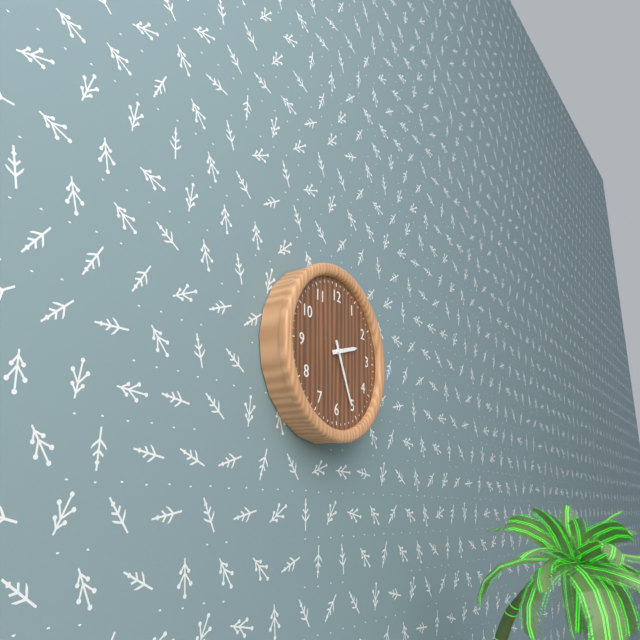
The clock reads 2 h 26 min
